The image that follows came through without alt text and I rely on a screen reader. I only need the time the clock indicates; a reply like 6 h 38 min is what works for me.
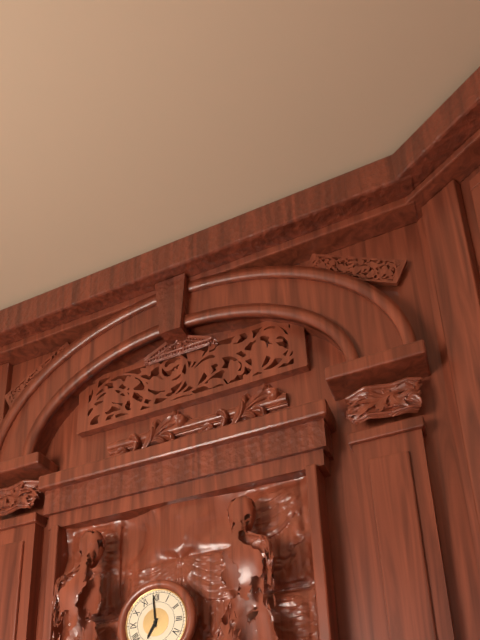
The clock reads 6 h 59 min
